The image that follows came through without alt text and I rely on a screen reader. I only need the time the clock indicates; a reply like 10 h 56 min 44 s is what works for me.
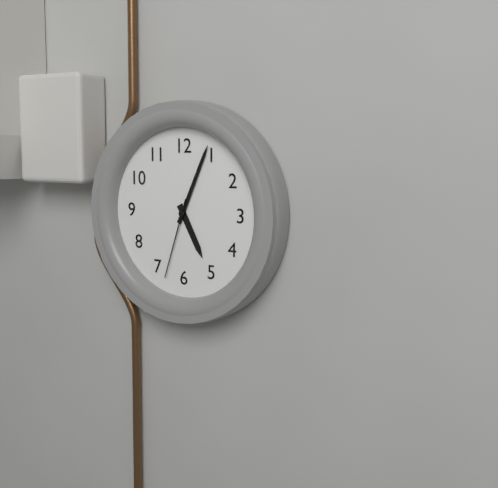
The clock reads 5 h 04 min 33 s
